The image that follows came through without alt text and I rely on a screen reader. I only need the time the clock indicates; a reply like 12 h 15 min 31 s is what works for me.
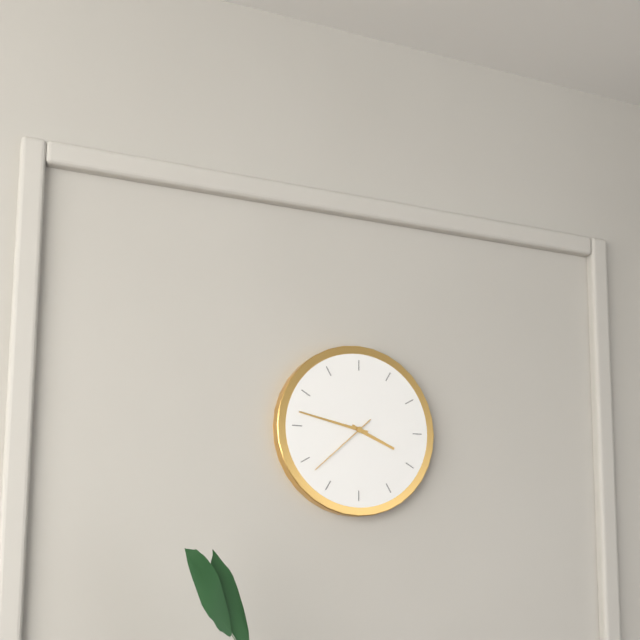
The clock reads 3 h 47 min 38 s
